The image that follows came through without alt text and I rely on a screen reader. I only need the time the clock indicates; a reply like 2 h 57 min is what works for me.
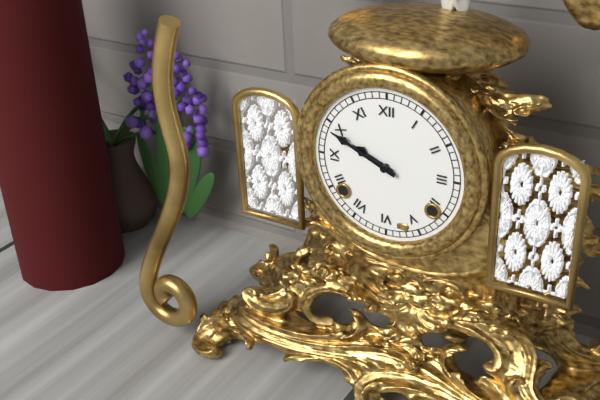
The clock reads 9 h 49 min
